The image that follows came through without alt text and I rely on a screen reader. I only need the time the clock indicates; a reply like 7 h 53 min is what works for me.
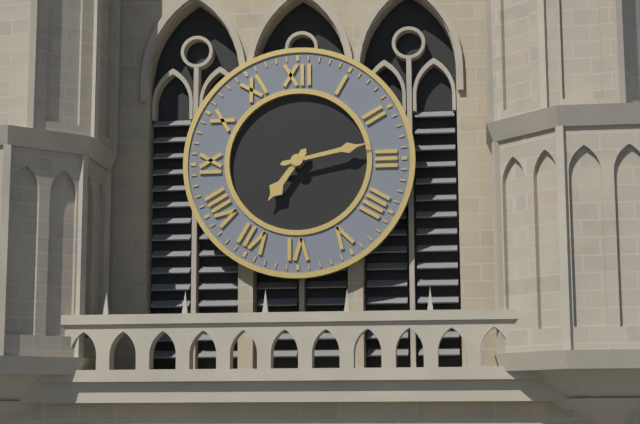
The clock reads 7 h 13 min
